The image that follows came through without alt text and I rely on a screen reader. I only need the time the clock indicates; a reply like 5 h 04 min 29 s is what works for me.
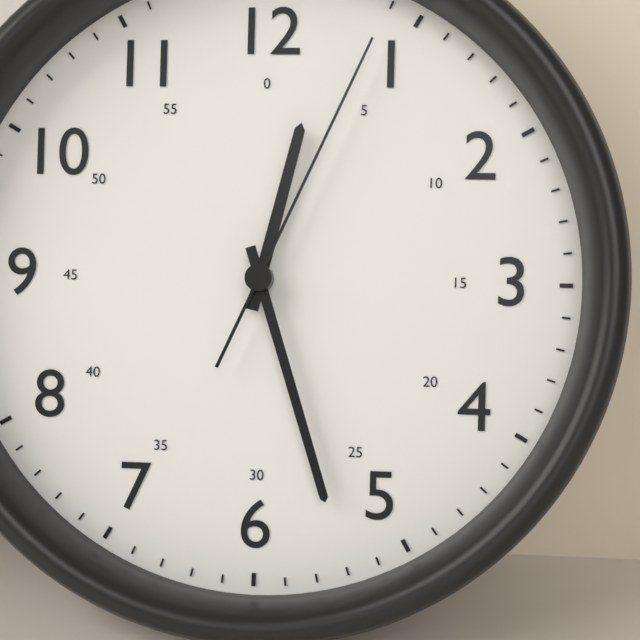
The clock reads 12 h 27 min 04 s
